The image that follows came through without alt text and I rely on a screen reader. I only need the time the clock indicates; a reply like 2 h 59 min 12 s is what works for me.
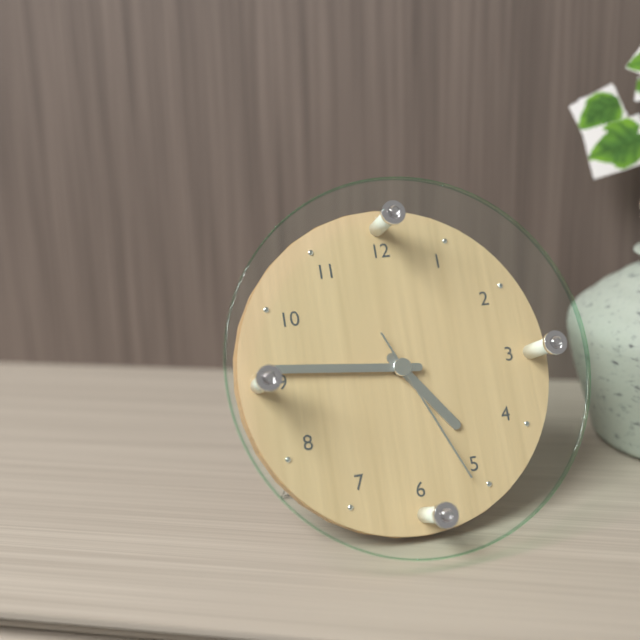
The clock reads 4 h 46 min 26 s
